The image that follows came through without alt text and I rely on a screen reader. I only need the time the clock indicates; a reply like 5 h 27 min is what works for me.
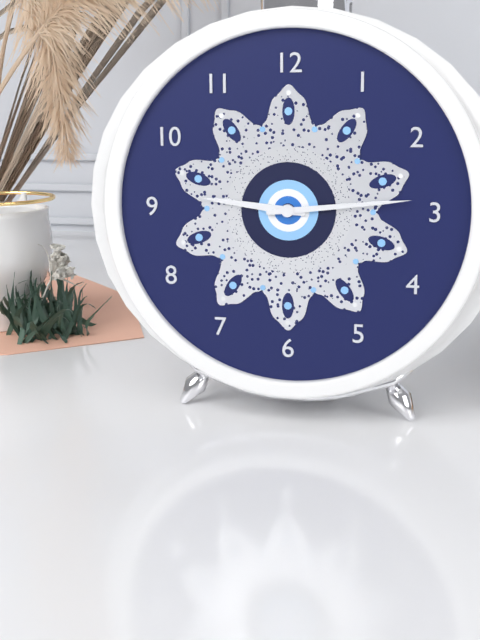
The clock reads 9 h 14 min
